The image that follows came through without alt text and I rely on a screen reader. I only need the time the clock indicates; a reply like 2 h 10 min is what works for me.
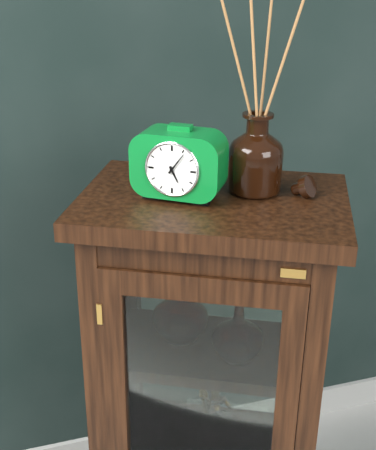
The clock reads 5 h 06 min
